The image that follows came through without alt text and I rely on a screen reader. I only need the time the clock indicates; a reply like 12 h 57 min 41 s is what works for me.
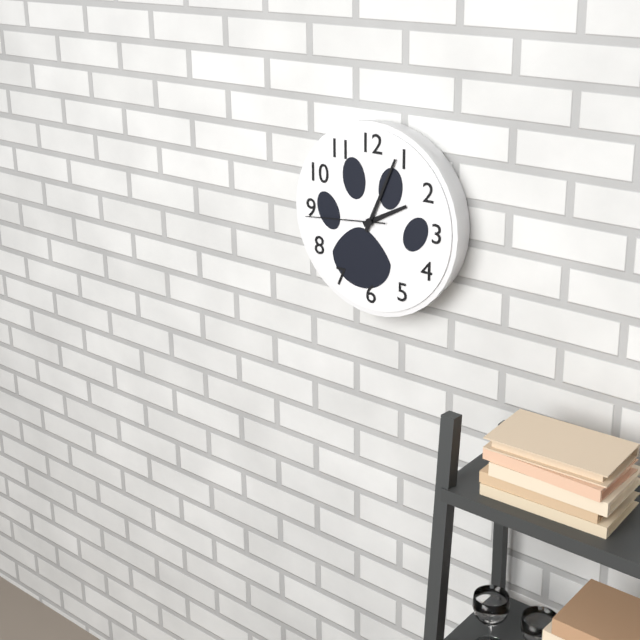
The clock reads 2 h 04 min 44 s
